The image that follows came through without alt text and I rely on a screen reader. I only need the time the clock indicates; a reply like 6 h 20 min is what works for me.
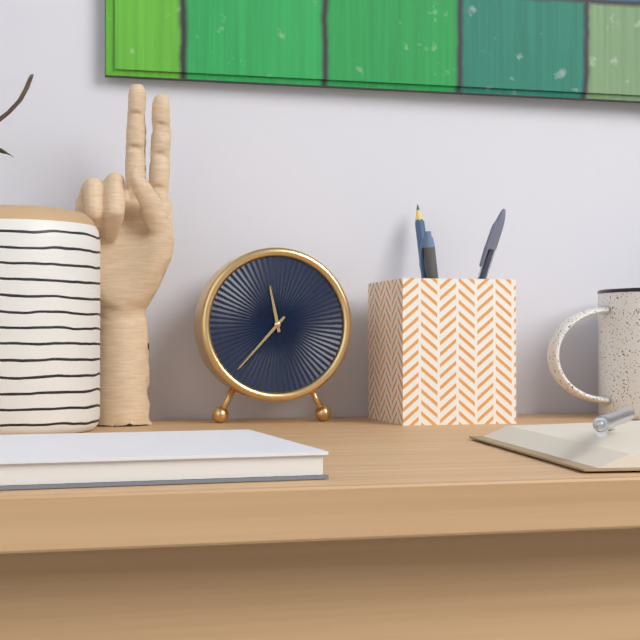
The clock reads 11 h 37 min
